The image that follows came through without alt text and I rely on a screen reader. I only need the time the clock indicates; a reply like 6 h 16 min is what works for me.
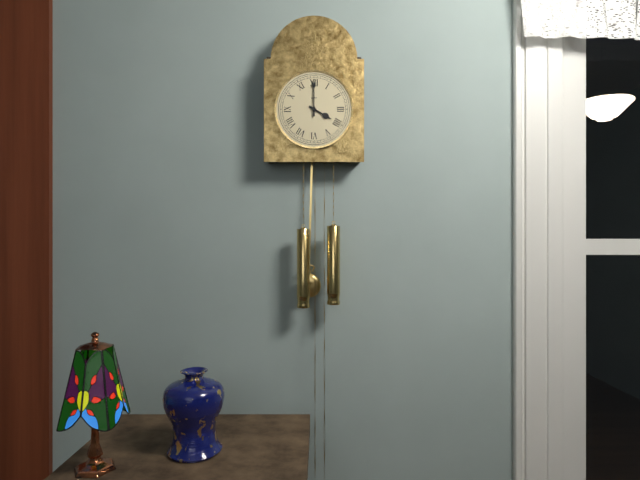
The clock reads 4 h 00 min
